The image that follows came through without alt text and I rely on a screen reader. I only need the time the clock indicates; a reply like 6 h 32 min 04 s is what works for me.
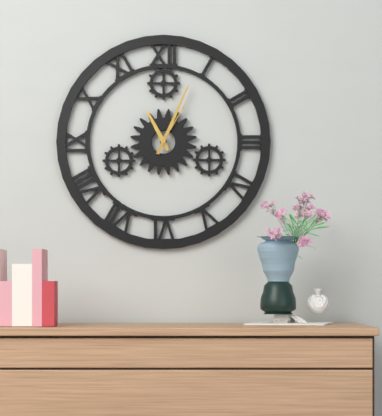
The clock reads 11 h 04 min 05 s
